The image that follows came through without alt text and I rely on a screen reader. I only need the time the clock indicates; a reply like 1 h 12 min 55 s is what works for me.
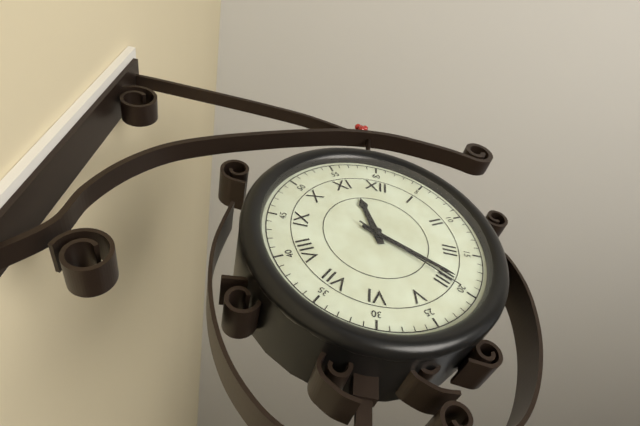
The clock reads 11 h 19 min 20 s
